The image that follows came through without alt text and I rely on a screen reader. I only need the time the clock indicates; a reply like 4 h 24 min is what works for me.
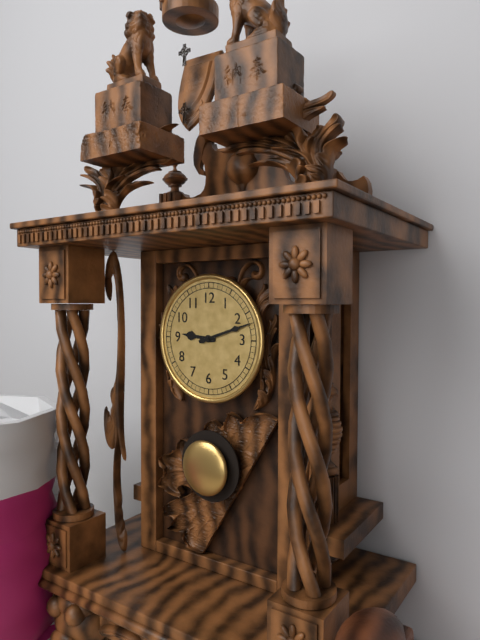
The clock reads 9 h 12 min
